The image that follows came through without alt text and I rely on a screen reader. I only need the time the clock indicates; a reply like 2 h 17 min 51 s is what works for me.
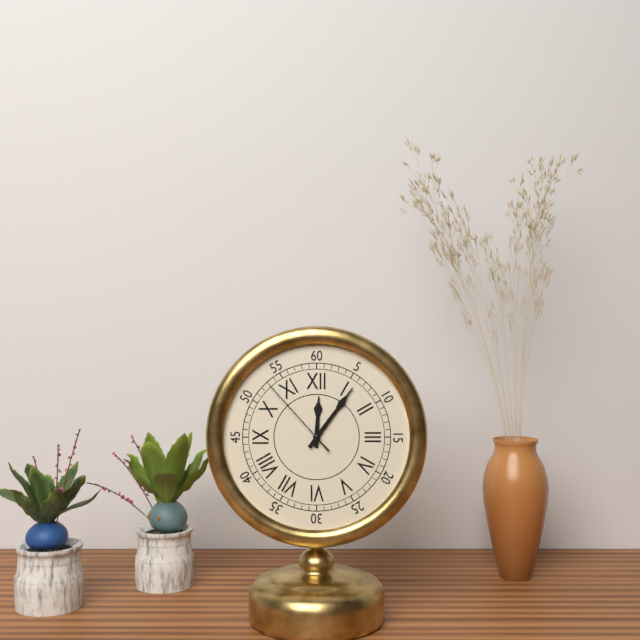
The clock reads 12 h 06 min 53 s
